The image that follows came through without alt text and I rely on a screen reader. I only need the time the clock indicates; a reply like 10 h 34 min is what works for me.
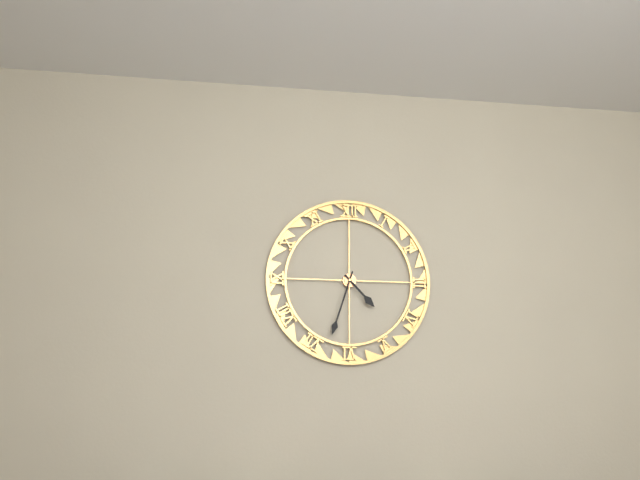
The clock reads 4 h 33 min
